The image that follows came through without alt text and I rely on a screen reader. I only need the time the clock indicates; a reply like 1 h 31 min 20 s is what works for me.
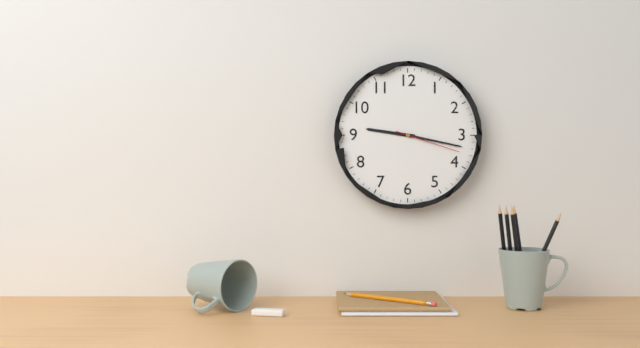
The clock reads 9 h 17 min 18 s
